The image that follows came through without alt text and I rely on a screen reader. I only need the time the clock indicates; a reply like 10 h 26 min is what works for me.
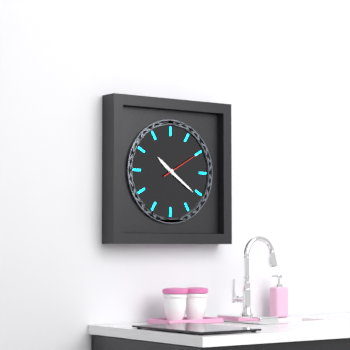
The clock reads 10 h 21 min
